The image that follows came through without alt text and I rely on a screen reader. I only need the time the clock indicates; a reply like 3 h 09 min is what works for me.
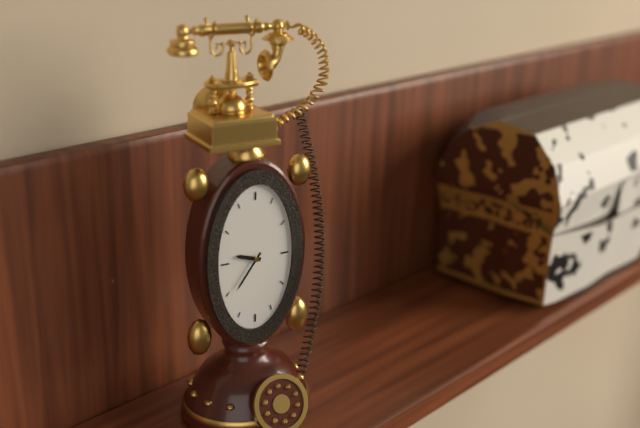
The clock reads 9 h 36 min
